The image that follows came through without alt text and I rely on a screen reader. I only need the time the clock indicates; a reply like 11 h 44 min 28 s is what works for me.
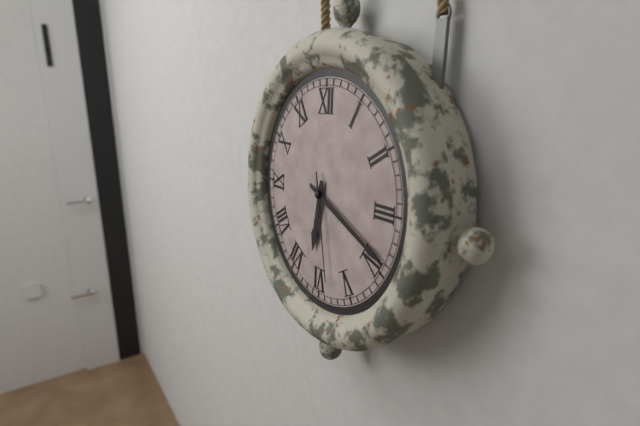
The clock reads 6 h 19 min 28 s
